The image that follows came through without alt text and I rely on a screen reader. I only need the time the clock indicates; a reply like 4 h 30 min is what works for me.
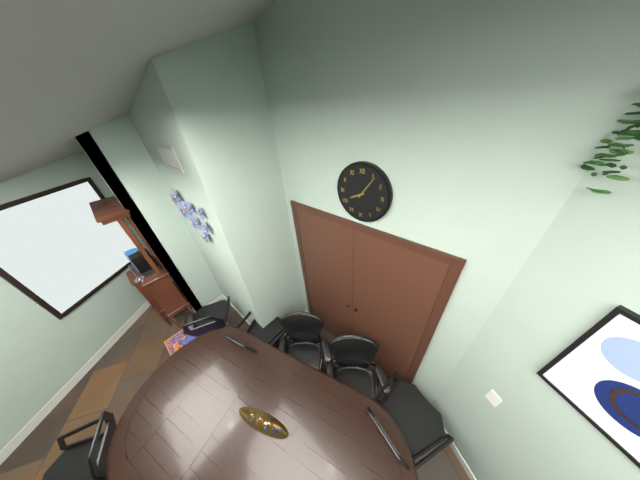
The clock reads 8 h 06 min
